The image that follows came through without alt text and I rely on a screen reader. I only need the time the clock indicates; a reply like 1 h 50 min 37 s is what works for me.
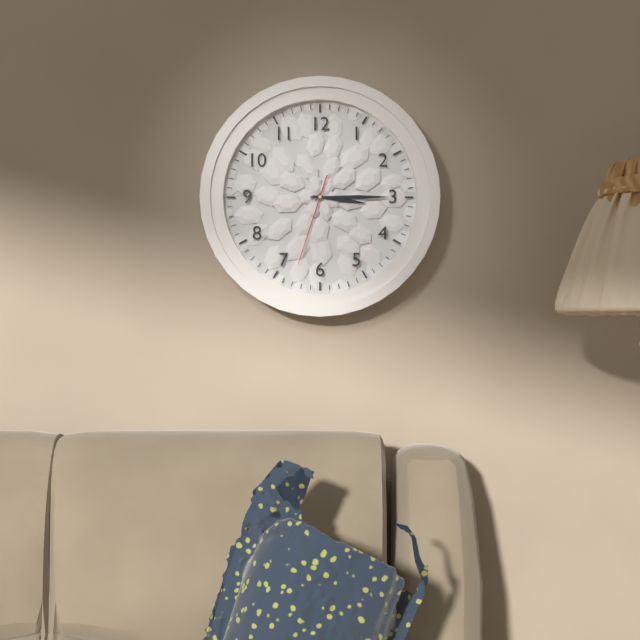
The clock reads 3 h 15 min 33 s
